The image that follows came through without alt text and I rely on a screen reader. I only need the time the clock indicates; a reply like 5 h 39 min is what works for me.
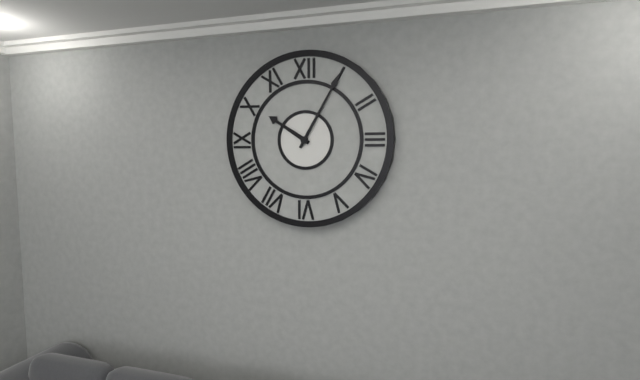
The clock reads 10 h 05 min
